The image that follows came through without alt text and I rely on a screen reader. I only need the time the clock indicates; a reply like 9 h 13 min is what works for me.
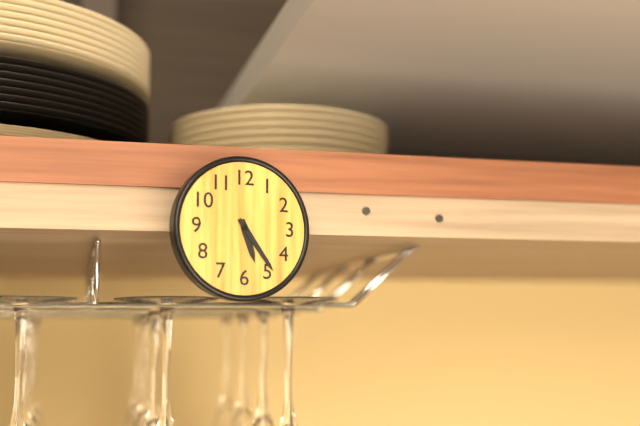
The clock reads 5 h 24 min
